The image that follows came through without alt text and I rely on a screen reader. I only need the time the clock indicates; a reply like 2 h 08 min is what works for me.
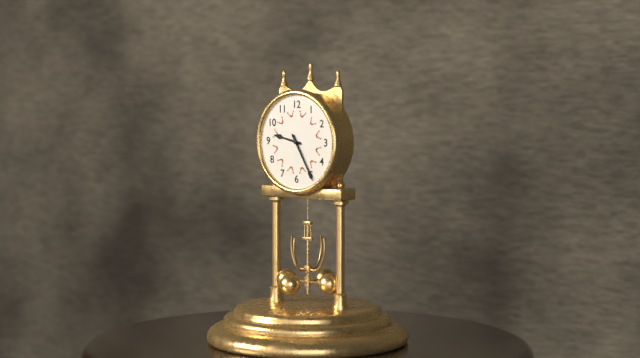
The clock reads 9 h 25 min
